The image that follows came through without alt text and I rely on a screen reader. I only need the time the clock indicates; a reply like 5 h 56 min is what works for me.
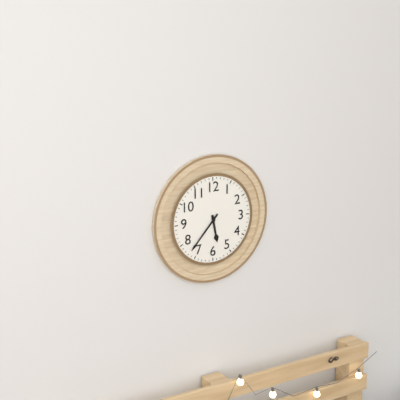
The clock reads 5 h 37 min
